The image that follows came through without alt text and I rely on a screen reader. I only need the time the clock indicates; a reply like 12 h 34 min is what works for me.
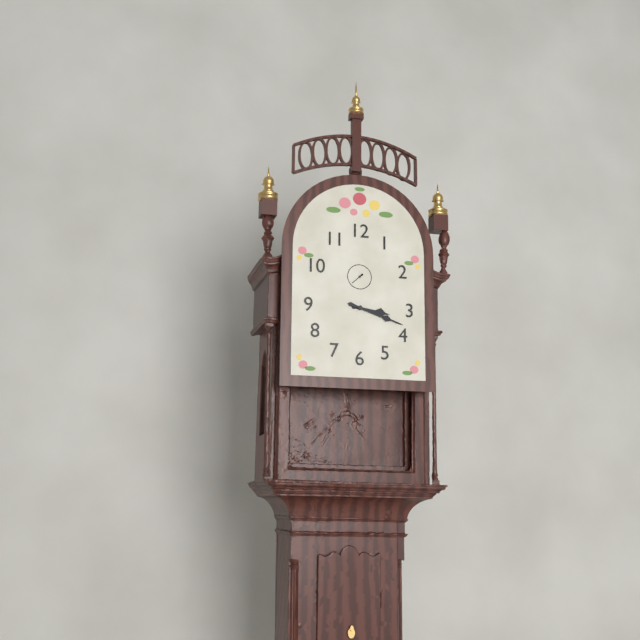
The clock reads 3 h 18 min
